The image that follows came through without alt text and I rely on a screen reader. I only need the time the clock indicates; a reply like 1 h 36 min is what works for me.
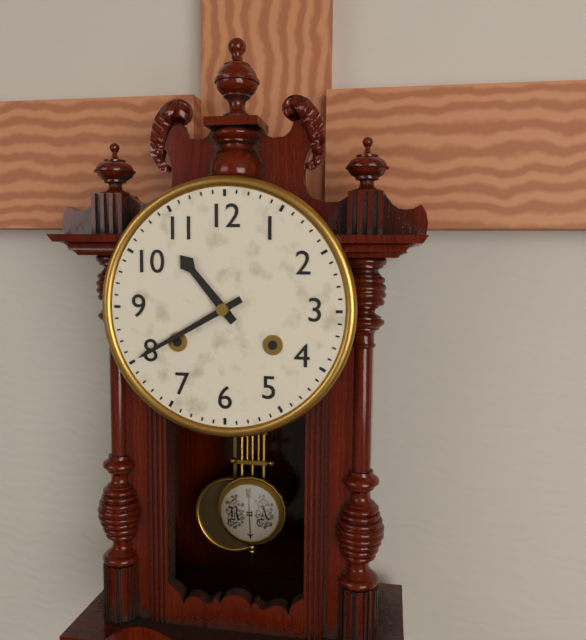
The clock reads 10 h 40 min
